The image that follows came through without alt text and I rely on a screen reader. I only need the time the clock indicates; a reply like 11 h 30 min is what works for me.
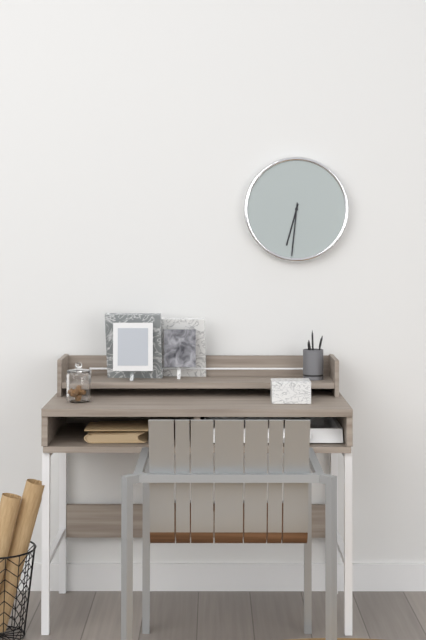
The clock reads 6 h 31 min
